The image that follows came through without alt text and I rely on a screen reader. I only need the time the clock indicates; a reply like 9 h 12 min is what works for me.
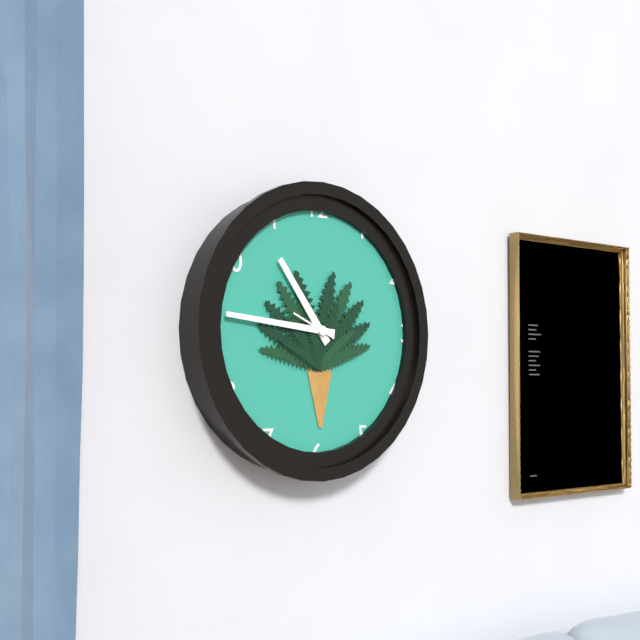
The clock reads 10 h 46 min
